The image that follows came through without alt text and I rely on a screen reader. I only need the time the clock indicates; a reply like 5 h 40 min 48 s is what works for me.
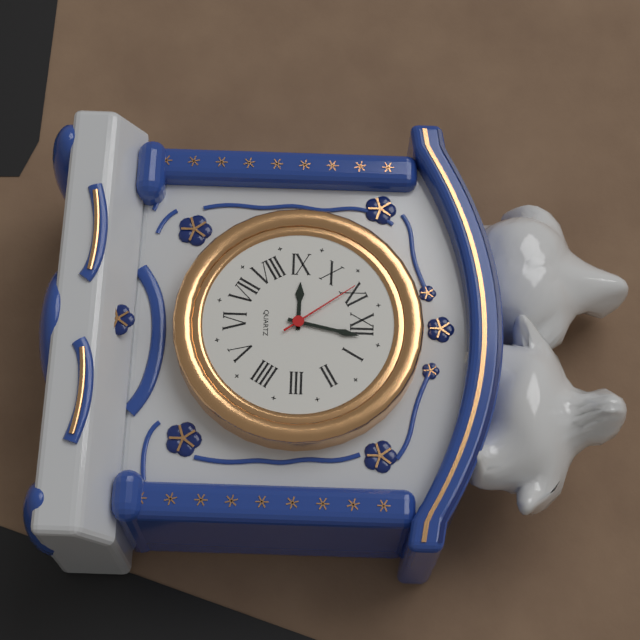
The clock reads 9 h 02 min 54 s
